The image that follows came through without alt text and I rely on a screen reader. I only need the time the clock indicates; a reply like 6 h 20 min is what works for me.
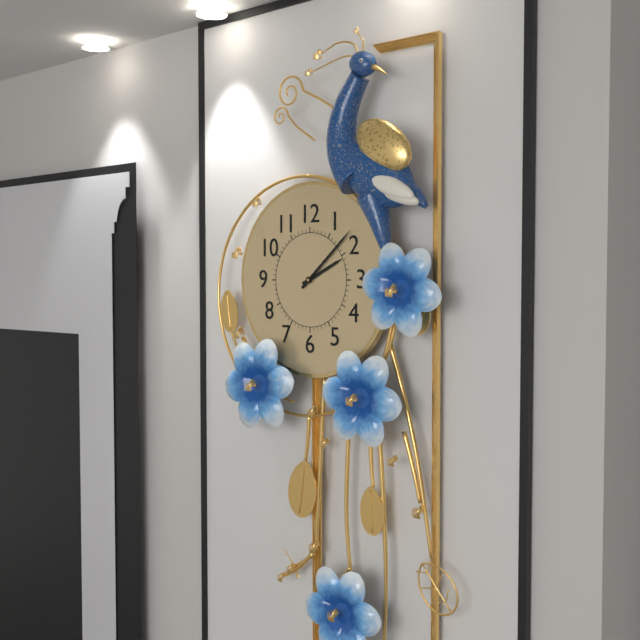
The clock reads 2 h 08 min
